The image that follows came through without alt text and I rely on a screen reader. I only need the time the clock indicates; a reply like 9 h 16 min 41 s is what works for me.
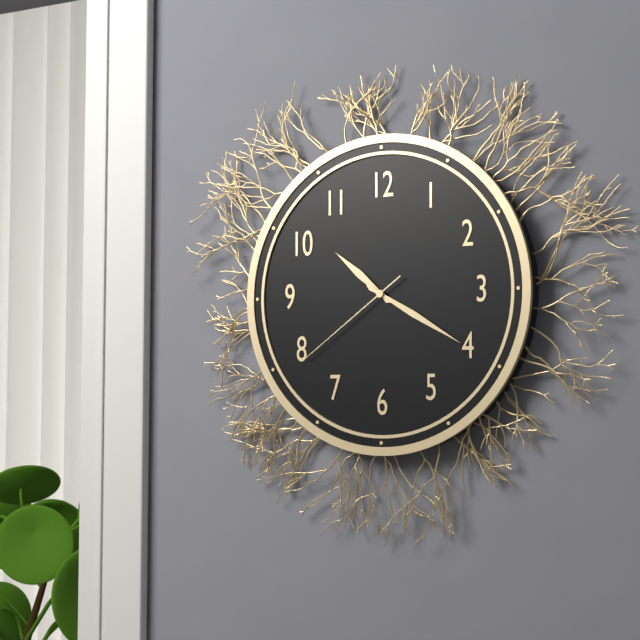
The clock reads 10 h 20 min 39 s
